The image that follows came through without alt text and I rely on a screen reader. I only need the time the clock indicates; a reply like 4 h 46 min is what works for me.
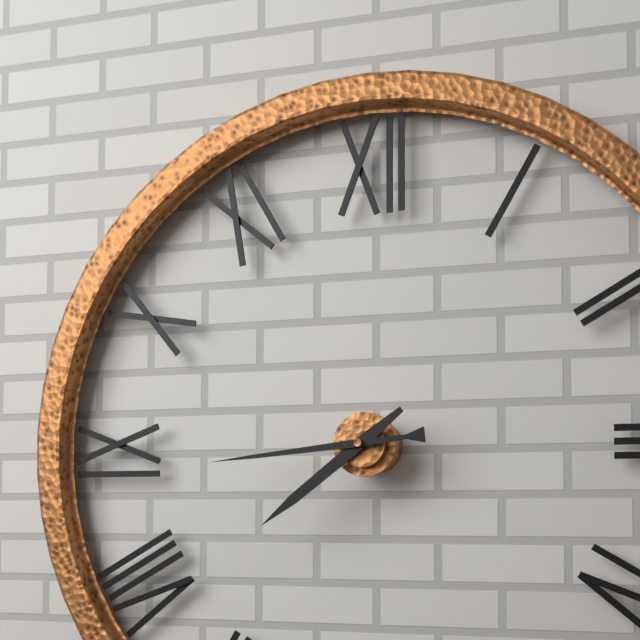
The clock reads 7 h 44 min
